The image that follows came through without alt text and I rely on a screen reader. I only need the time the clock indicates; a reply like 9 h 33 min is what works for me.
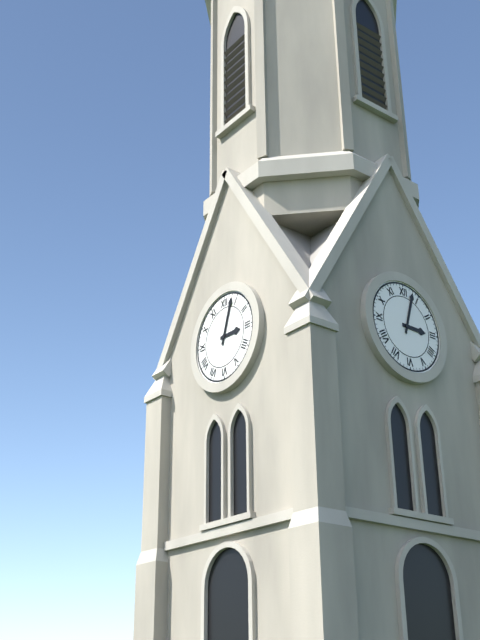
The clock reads 3 h 03 min
